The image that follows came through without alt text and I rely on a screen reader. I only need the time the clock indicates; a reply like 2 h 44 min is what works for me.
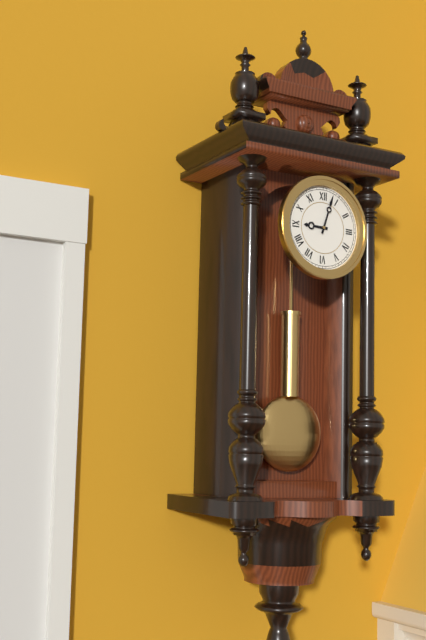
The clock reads 9 h 03 min
